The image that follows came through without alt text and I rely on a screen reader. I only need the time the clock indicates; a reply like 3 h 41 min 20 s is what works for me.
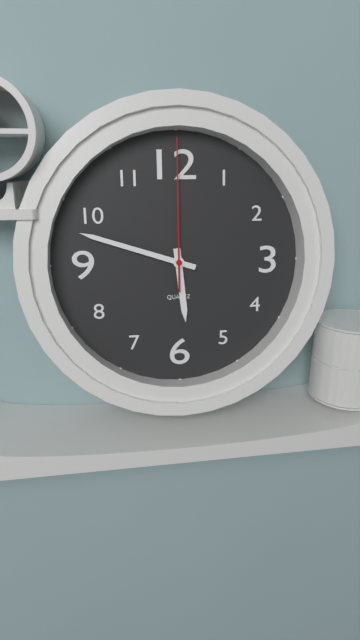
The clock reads 5 h 48 min 00 s
